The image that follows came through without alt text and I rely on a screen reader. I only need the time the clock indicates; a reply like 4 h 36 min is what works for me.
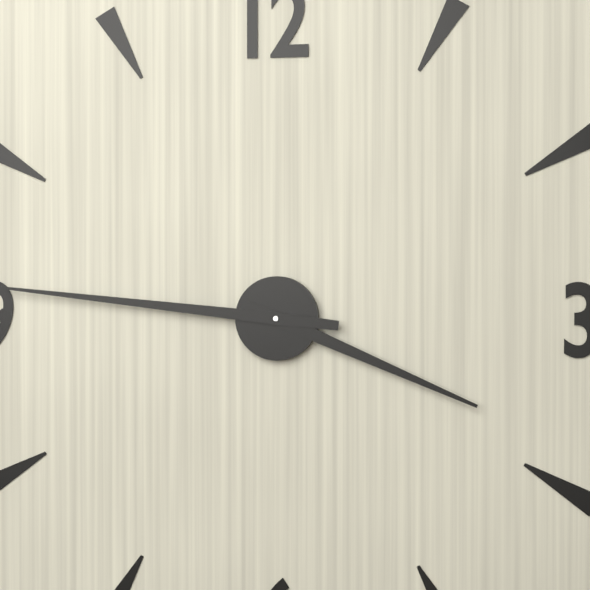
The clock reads 3 h 46 min
